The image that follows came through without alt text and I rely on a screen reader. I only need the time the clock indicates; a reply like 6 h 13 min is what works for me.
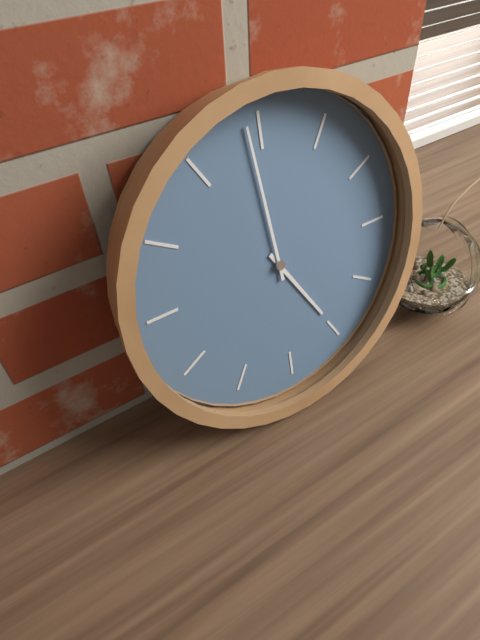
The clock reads 4 h 59 min
